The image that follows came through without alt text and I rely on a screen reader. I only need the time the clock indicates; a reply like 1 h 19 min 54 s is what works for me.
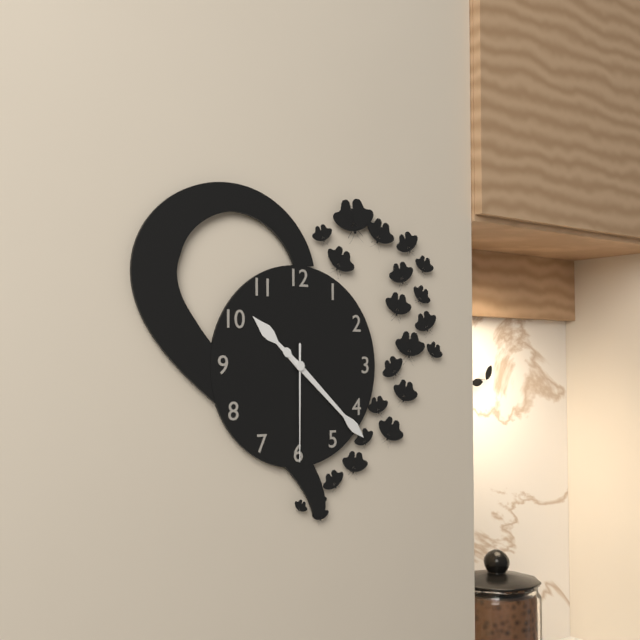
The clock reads 10 h 22 min 30 s
